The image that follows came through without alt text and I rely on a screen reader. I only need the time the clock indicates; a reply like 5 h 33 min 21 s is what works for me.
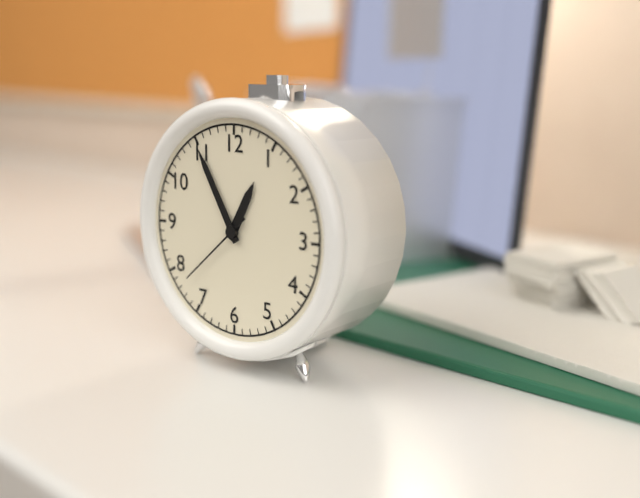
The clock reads 12 h 55 min 38 s
